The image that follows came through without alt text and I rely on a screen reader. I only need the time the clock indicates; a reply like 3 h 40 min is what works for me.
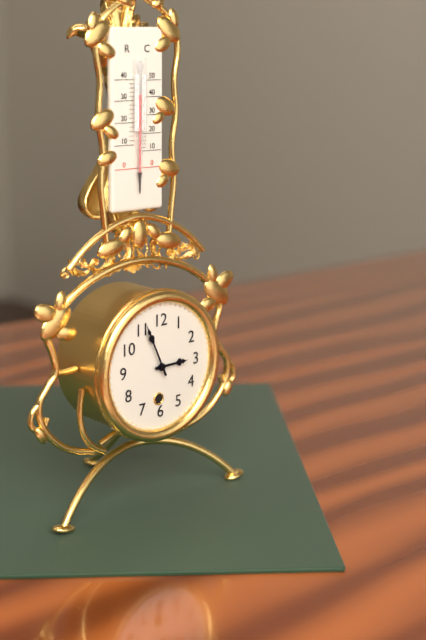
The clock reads 2 h 56 min
